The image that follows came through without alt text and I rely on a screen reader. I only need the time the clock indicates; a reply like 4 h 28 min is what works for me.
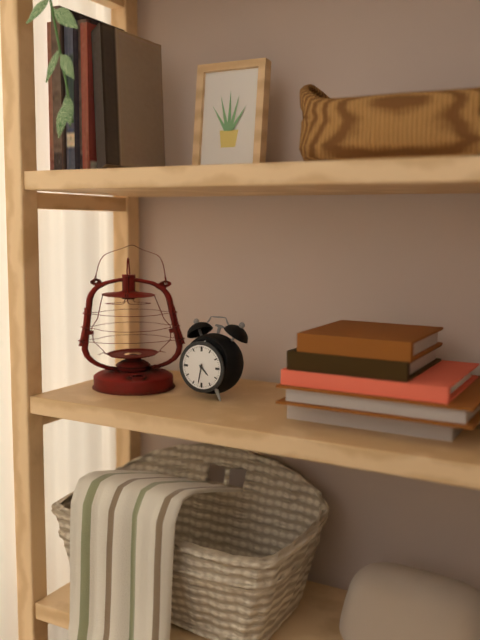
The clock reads 4 h 32 min
